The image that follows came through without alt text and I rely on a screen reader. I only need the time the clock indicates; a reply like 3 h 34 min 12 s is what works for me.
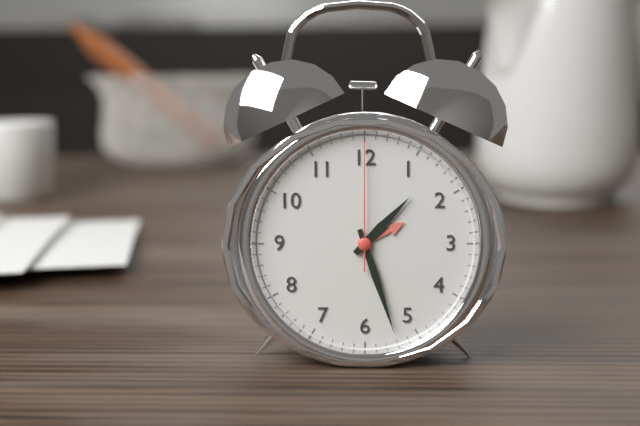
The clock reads 1 h 27 min 00 s
